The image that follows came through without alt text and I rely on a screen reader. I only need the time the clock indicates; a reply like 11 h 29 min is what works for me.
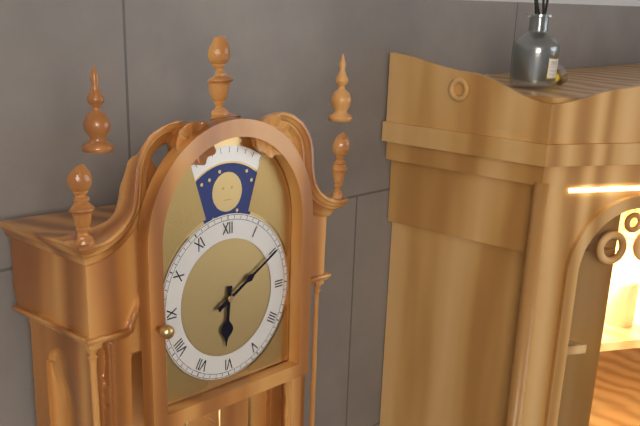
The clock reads 6 h 10 min
